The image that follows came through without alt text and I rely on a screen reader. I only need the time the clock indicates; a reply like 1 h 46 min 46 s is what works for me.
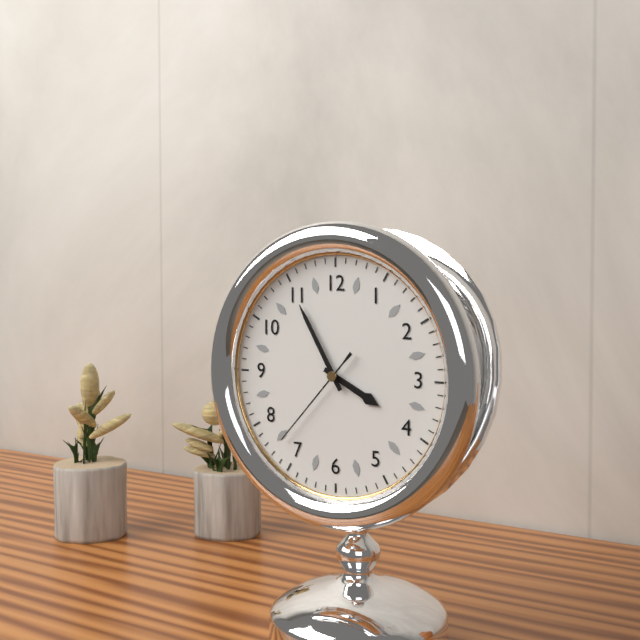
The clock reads 3 h 55 min 37 s
